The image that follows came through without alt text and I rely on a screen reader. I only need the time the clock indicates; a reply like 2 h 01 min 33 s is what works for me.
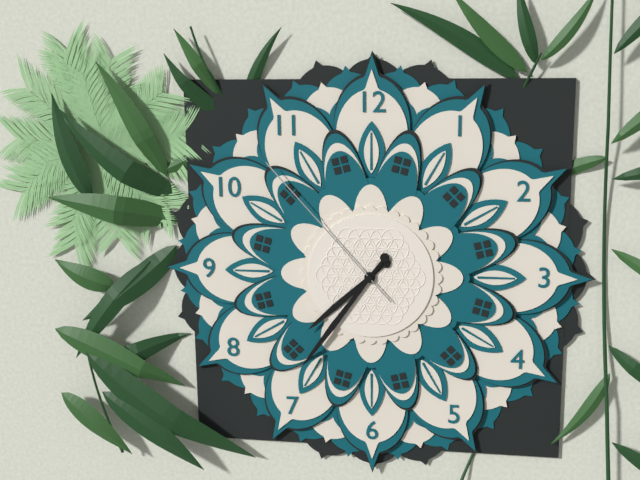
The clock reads 7 h 36 min 53 s
